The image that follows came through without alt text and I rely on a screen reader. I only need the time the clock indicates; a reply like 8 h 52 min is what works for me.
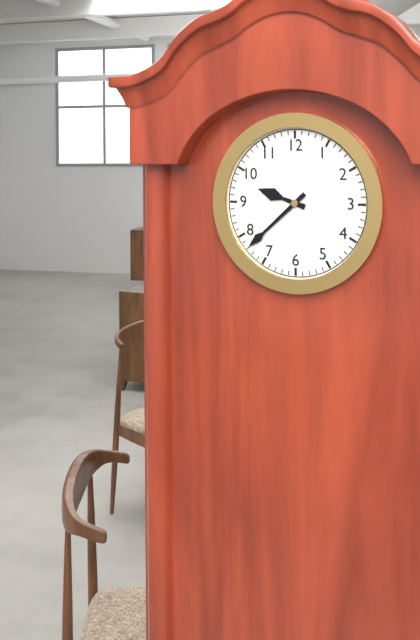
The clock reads 9 h 38 min
